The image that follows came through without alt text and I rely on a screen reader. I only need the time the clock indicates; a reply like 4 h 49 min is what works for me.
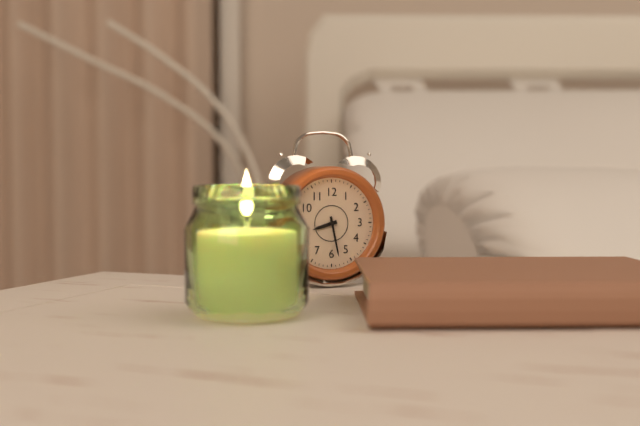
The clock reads 8 h 28 min
